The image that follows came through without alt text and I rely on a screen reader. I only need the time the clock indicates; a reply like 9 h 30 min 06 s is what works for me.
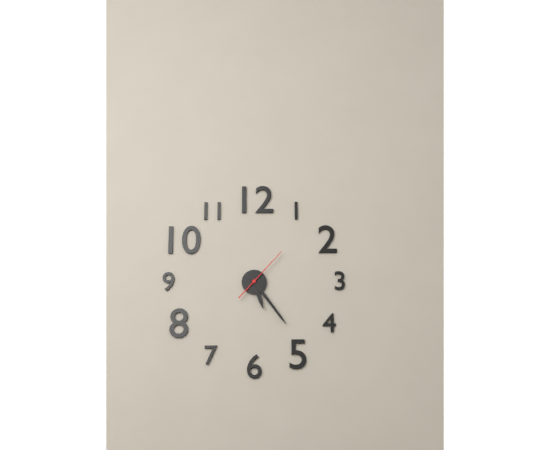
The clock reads 5 h 24 min 07 s
